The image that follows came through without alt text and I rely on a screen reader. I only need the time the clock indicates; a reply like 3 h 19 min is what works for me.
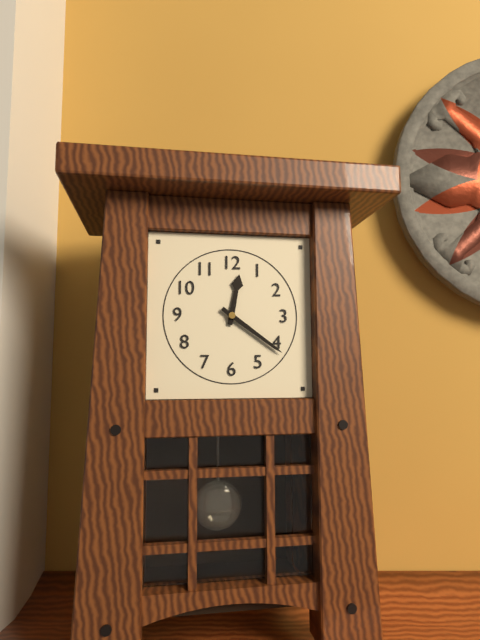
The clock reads 12 h 21 min
